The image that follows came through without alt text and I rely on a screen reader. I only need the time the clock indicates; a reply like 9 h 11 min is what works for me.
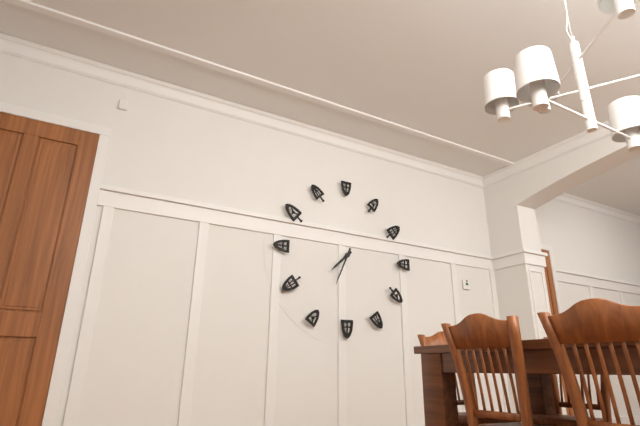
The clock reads 7 h 34 min
